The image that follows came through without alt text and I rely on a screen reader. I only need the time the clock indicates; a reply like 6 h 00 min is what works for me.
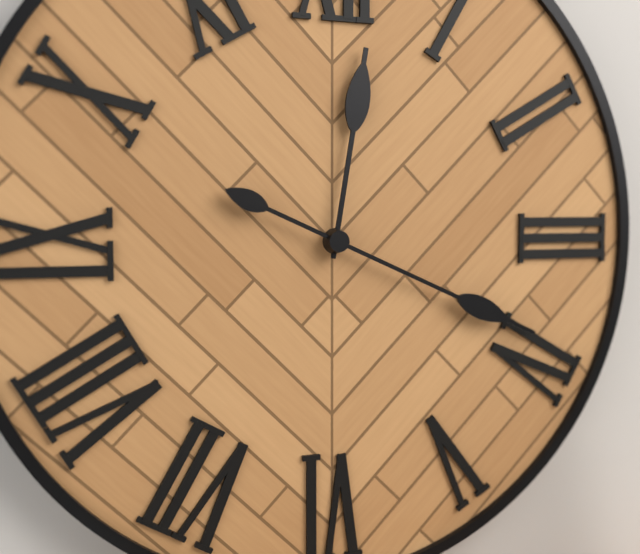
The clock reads 12 h 19 min
